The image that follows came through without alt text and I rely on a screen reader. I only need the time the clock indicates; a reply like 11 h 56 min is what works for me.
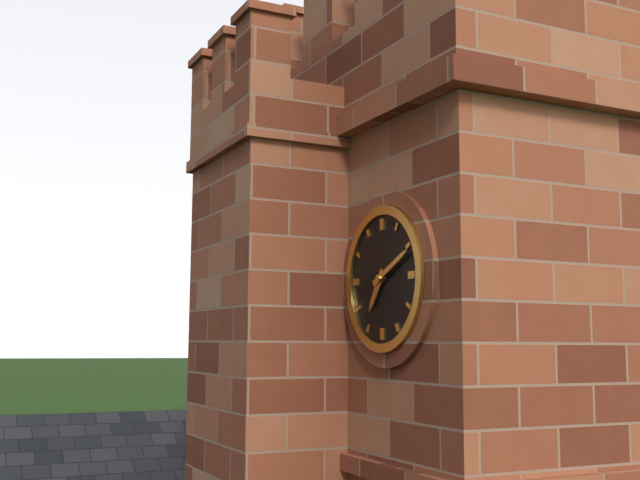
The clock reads 7 h 11 min
